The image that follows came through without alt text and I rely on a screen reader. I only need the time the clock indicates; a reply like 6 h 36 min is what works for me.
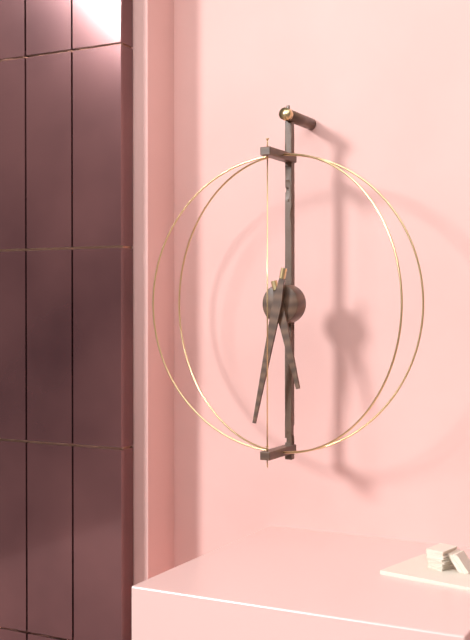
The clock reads 5 h 32 min
